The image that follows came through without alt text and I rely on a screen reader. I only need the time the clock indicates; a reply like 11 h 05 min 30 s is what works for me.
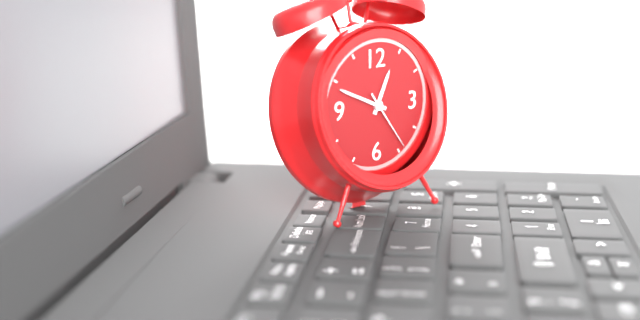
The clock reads 12 h 49 min 24 s
